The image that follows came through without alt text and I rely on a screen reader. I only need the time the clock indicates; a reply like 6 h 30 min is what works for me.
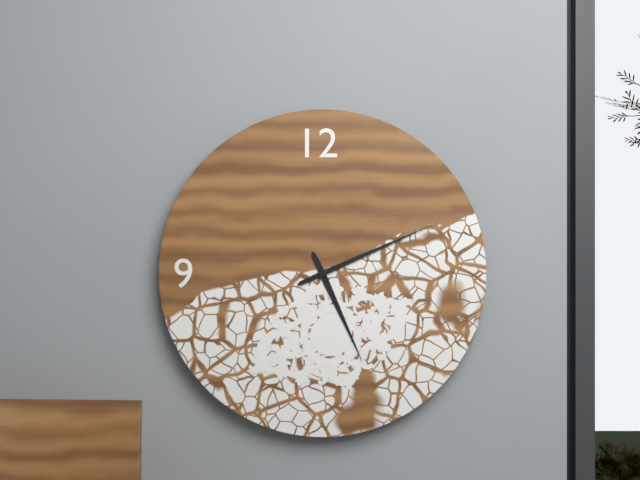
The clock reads 5 h 11 min
